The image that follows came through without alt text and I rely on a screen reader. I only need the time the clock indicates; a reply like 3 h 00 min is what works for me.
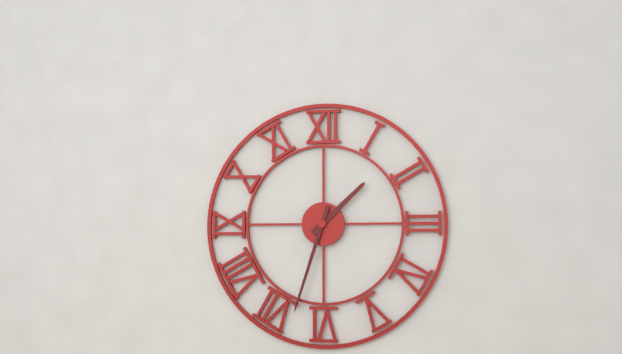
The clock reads 1 h 33 min
